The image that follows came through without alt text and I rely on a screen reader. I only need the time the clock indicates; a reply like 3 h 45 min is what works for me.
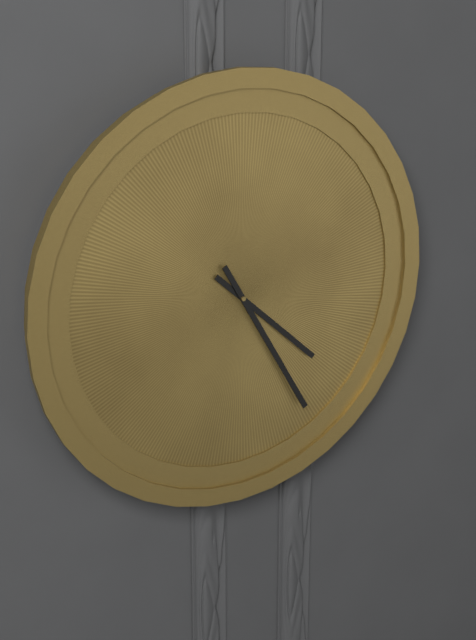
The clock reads 4 h 25 min
